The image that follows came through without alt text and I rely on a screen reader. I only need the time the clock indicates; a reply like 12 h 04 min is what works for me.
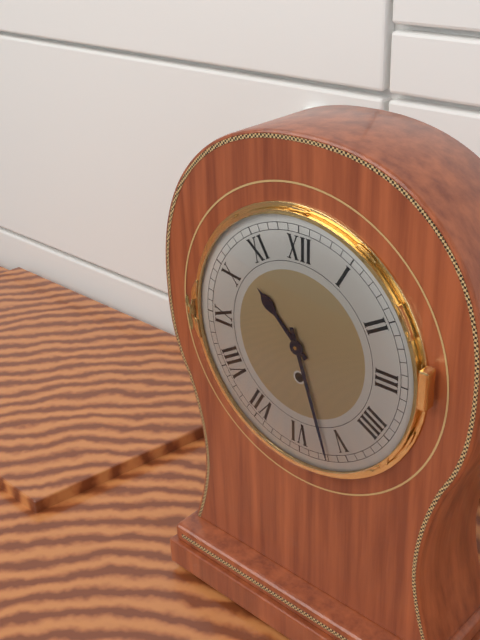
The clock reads 10 h 27 min
